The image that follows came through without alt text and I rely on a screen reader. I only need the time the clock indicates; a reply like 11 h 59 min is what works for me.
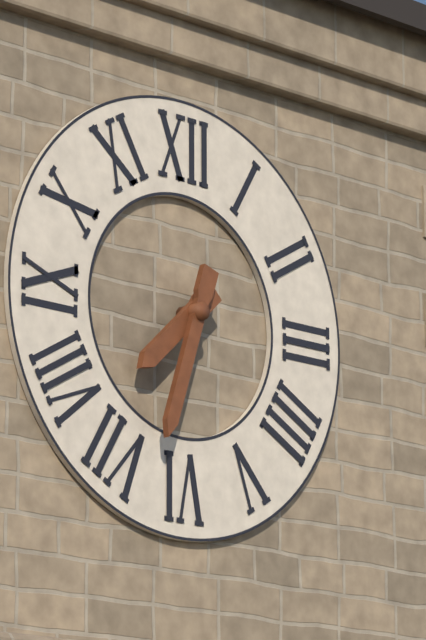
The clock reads 7 h 33 min
